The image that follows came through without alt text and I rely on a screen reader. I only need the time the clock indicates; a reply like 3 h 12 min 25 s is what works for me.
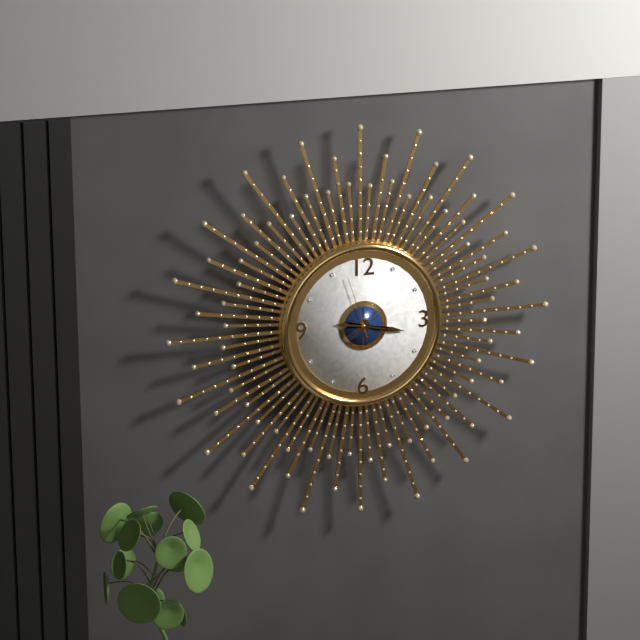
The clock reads 9 h 17 min 57 s
